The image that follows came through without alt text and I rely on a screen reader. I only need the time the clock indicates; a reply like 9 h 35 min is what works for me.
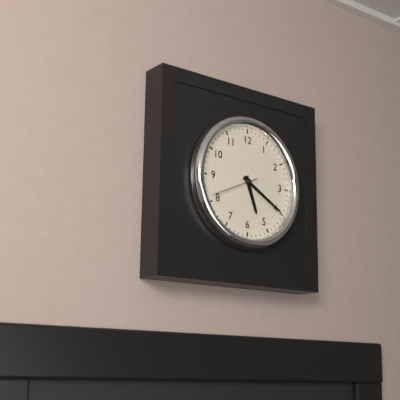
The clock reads 5 h 20 min
